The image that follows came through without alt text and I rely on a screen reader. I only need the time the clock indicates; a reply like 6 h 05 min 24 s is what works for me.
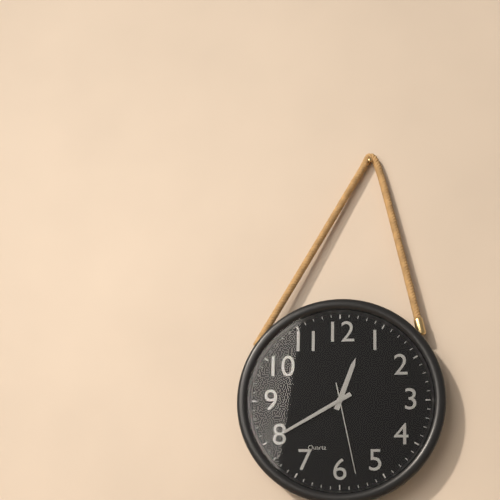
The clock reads 12 h 40 min 28 s
